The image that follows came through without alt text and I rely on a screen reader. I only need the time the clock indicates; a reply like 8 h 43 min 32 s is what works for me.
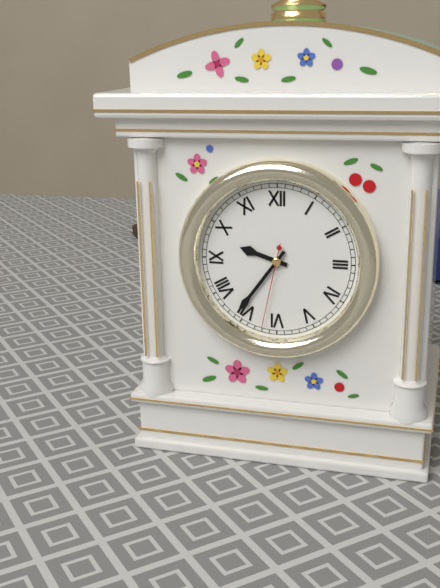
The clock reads 9 h 36 min 32 s
